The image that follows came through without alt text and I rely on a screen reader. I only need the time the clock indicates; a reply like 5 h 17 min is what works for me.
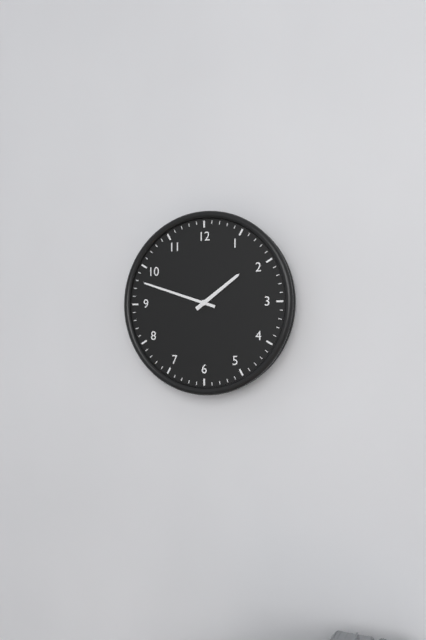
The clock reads 1 h 48 min
